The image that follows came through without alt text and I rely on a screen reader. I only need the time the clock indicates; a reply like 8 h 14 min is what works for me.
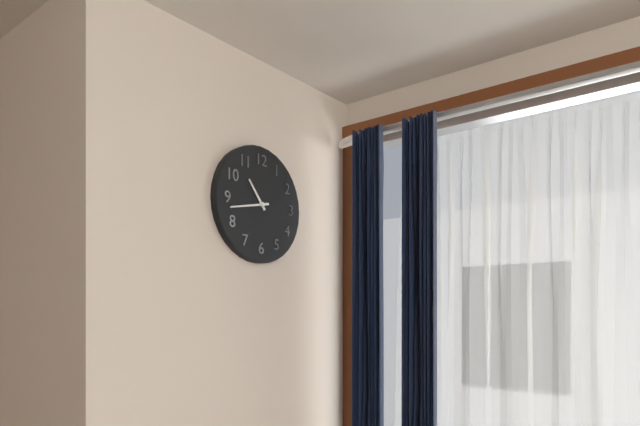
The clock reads 10 h 43 min
